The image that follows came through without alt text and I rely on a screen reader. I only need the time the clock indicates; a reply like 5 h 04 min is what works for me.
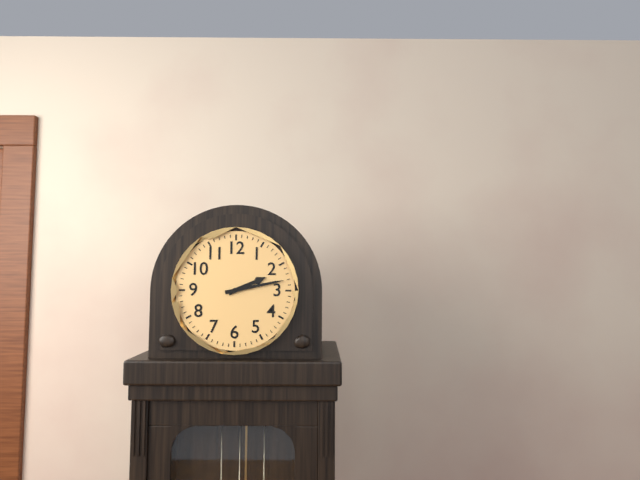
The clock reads 2 h 13 min
